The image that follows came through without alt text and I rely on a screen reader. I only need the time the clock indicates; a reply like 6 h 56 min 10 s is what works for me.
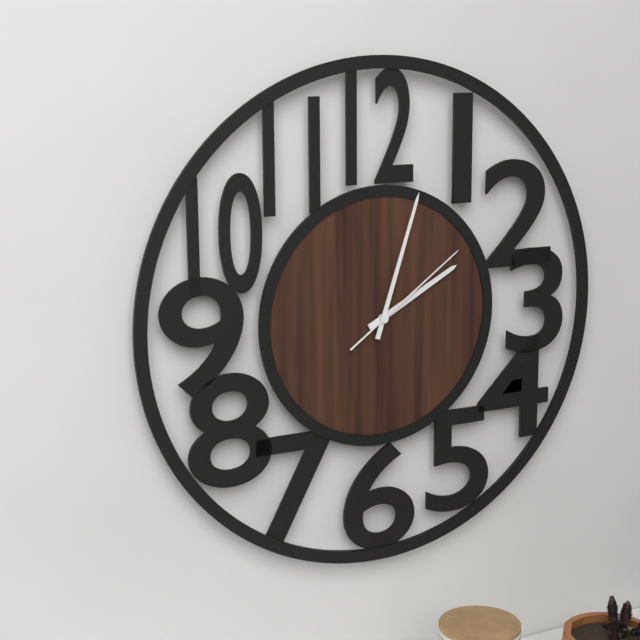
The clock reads 2 h 03 min 09 s
